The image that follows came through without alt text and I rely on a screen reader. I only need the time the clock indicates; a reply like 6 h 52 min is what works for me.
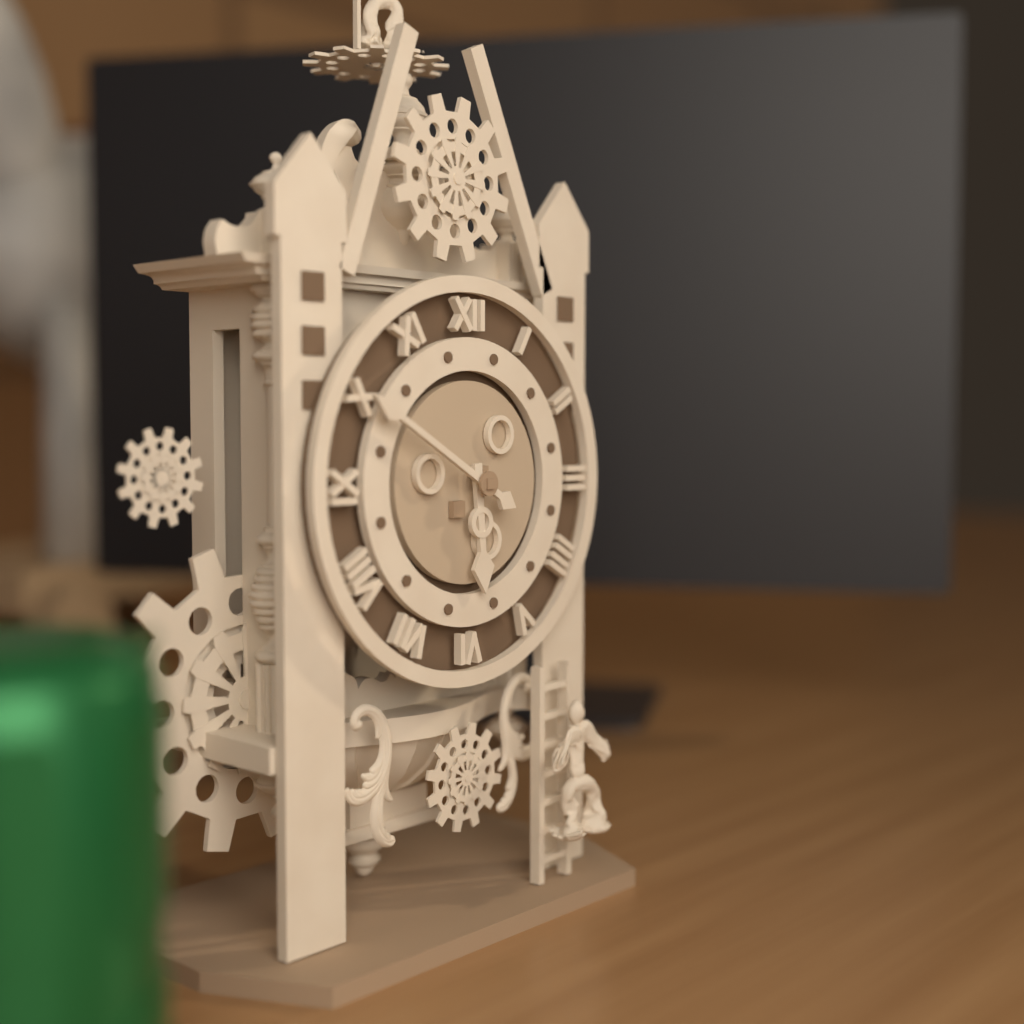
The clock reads 5 h 50 min
